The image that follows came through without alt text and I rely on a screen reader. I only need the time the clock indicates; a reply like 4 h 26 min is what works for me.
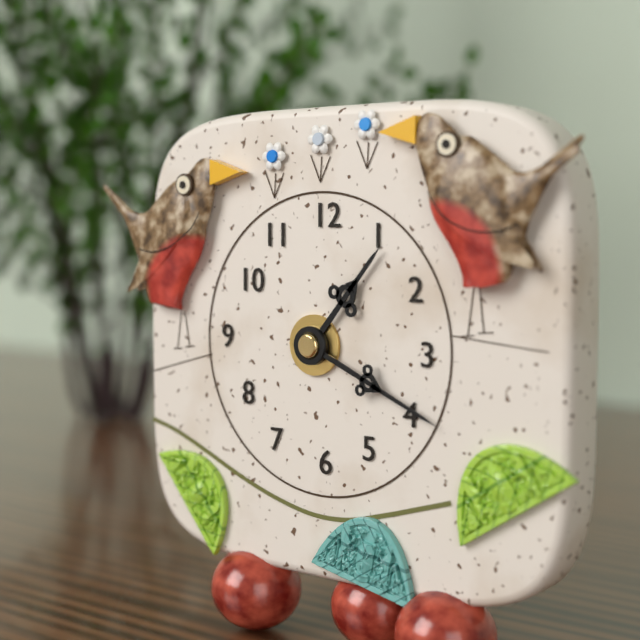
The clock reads 1 h 19 min
